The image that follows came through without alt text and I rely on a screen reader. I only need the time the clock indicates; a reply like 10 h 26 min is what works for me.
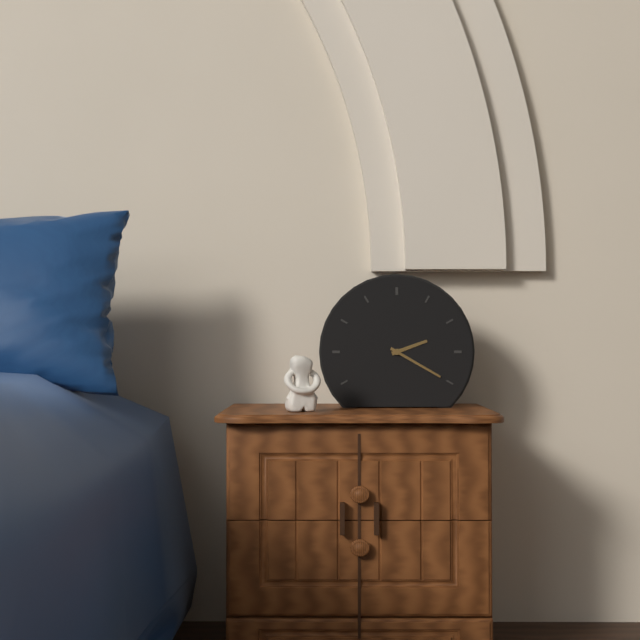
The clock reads 2 h 20 min
